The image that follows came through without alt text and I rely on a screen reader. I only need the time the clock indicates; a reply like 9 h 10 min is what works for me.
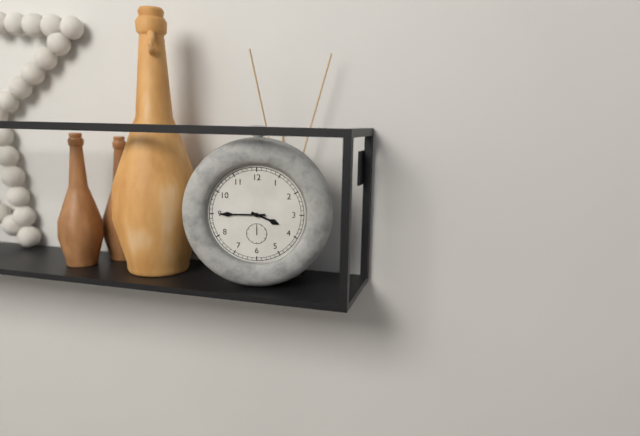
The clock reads 3 h 45 min
